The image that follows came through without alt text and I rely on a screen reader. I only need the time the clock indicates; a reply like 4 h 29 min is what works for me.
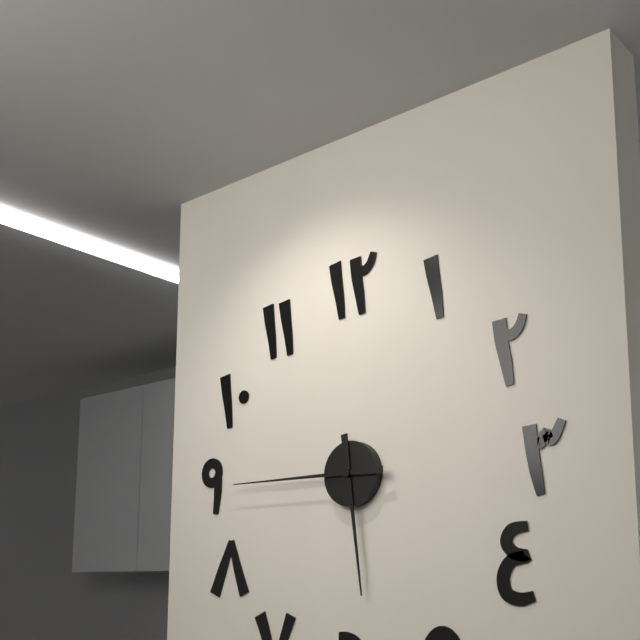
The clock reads 5 h 45 min
